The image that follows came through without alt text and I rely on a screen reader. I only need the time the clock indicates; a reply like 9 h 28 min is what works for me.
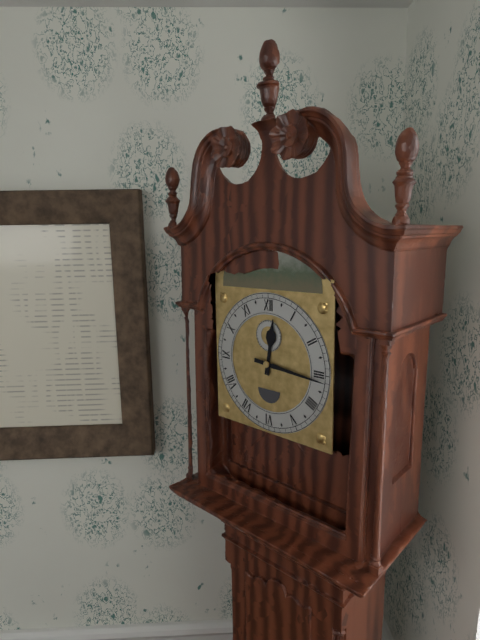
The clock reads 12 h 16 min
